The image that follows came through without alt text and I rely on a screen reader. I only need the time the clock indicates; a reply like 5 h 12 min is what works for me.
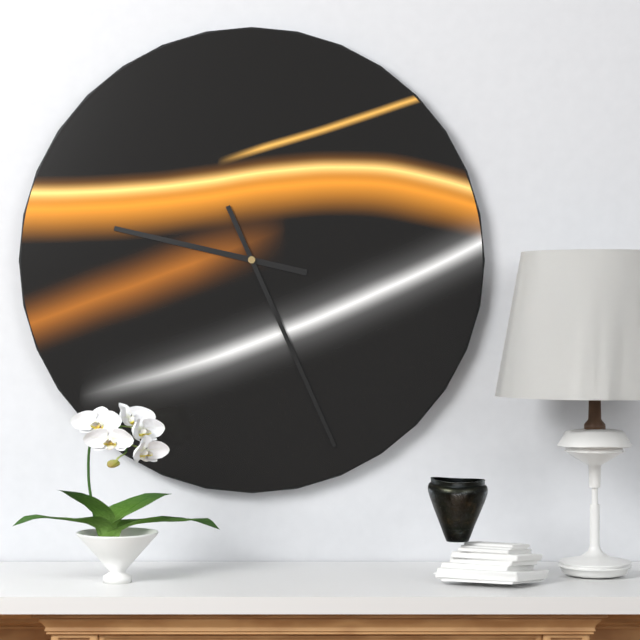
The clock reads 9 h 26 min
